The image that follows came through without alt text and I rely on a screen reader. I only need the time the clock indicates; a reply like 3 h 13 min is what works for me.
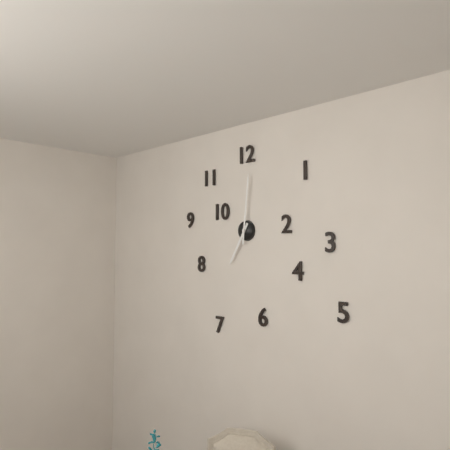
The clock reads 7 h 01 min
